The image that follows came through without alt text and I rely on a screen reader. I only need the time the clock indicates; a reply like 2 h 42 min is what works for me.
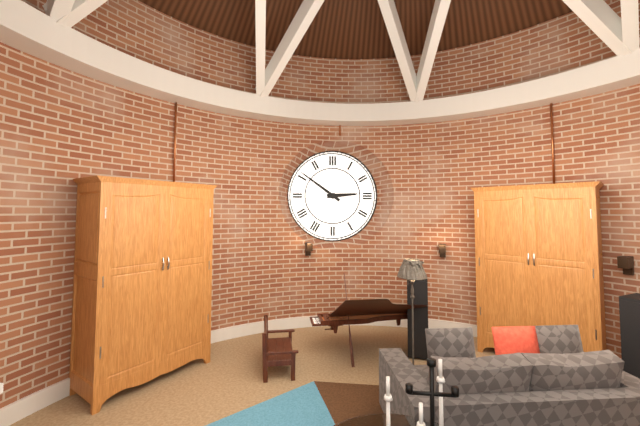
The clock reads 2 h 51 min
